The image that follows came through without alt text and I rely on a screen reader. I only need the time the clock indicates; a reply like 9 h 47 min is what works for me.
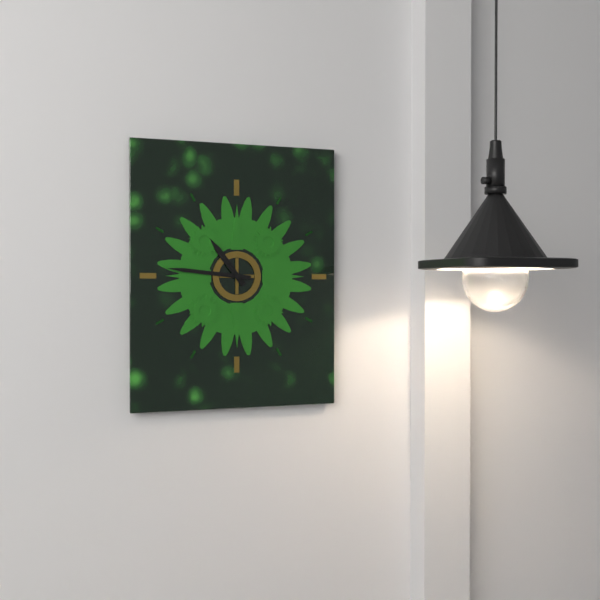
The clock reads 10 h 46 min
